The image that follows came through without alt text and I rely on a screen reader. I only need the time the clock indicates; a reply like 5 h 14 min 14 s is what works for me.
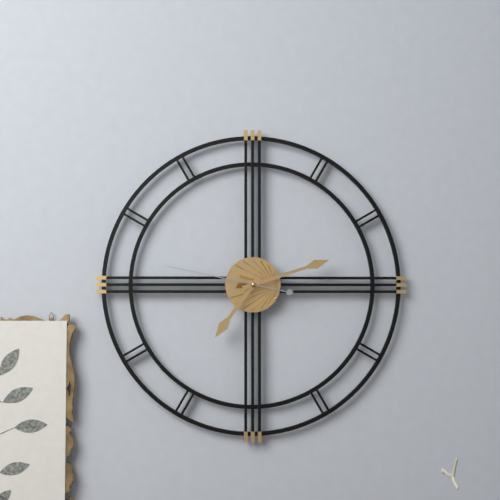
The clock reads 7 h 12 min 47 s
